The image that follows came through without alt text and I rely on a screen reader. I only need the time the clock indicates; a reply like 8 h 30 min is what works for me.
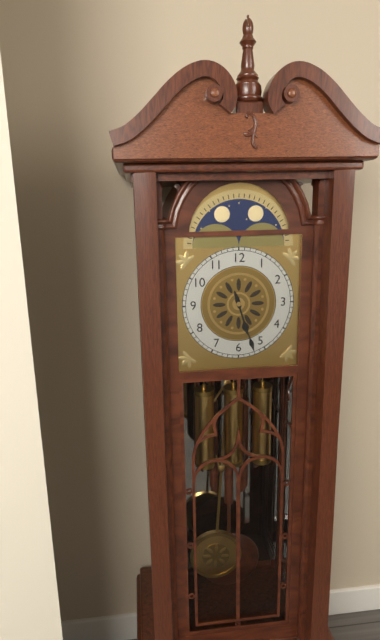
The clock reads 5 h 27 min
